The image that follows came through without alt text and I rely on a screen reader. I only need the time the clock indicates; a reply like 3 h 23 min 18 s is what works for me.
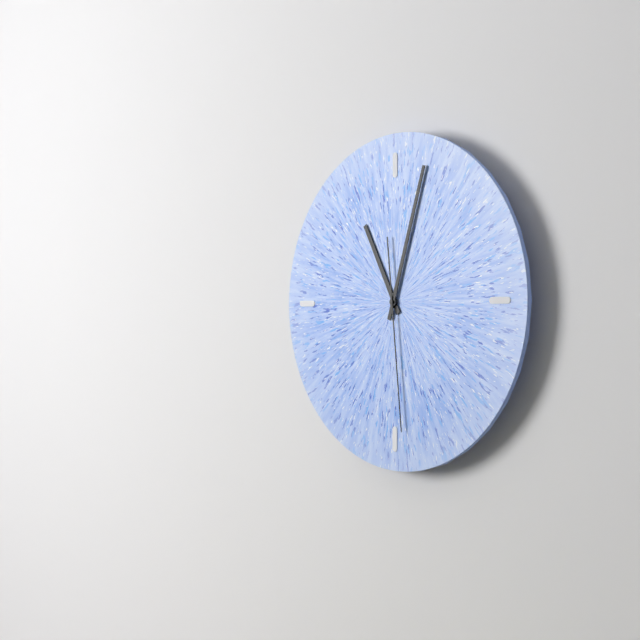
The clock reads 11 h 03 min 29 s
